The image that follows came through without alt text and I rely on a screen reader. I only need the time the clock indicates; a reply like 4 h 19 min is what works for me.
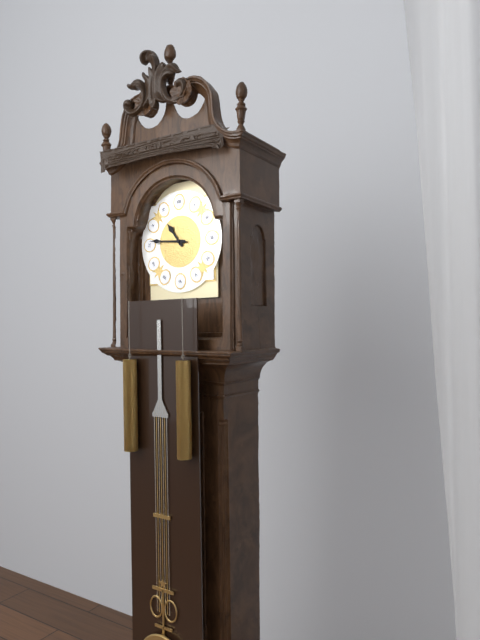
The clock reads 10 h 46 min
